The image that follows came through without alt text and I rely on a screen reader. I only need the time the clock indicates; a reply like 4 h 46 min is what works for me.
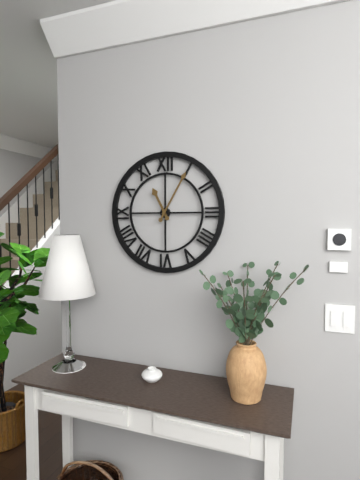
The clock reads 11 h 05 min
